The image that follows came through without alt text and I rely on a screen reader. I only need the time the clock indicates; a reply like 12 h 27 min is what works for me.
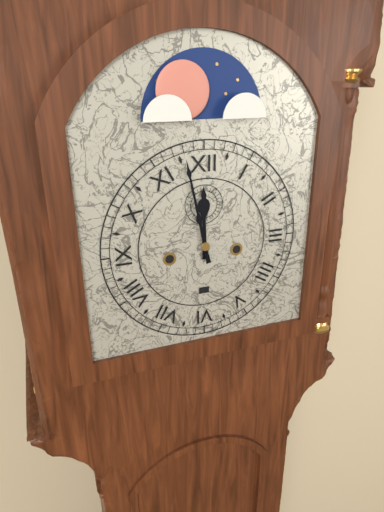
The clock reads 11 h 58 min
